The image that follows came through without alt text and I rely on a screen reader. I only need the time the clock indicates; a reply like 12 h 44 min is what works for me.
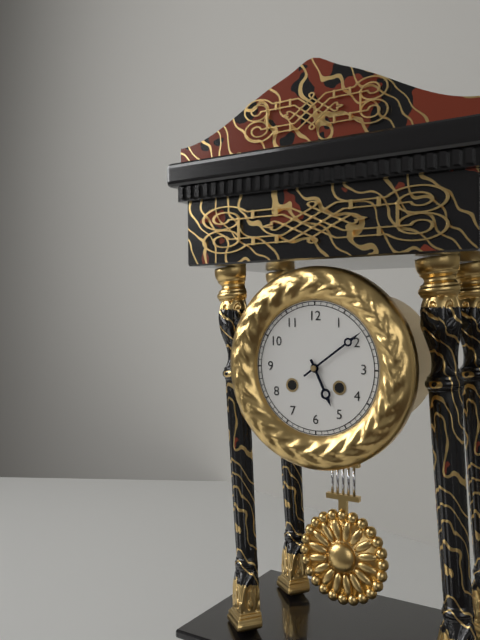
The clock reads 5 h 09 min
